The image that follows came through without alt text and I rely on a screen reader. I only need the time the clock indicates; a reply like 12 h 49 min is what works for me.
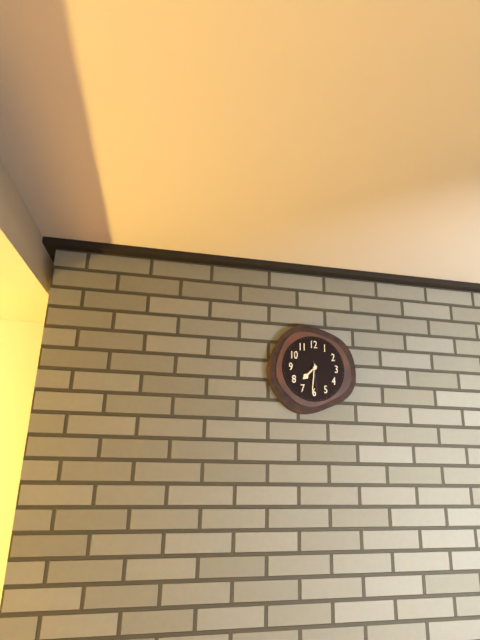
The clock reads 7 h 31 min
